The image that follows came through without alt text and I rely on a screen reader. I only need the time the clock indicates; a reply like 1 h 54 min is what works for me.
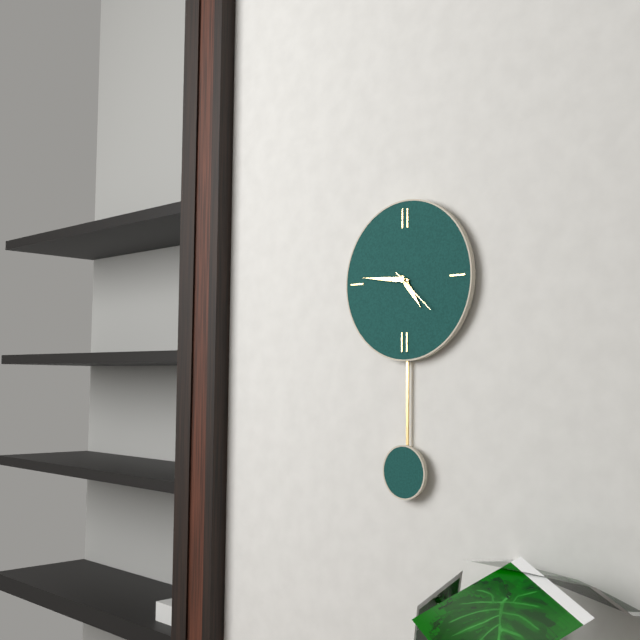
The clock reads 4 h 46 min
